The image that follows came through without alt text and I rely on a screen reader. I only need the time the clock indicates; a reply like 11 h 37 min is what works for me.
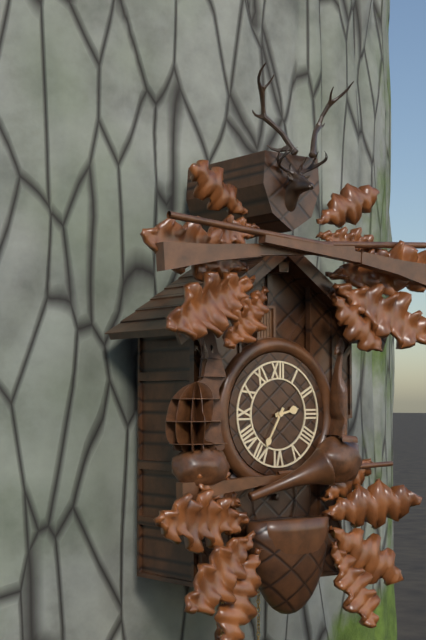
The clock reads 2 h 35 min
